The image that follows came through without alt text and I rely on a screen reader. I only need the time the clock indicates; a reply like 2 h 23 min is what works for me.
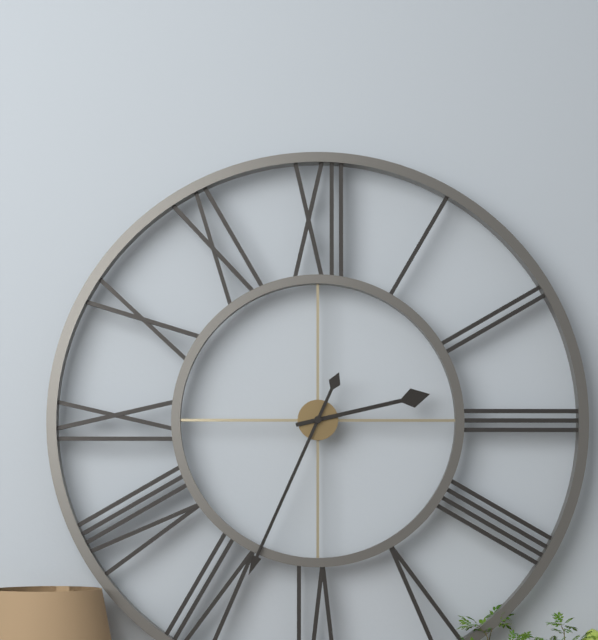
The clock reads 2 h 34 min
